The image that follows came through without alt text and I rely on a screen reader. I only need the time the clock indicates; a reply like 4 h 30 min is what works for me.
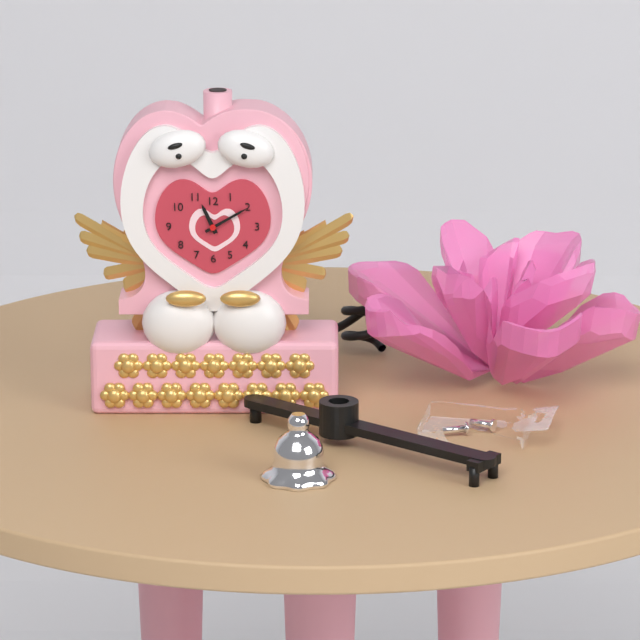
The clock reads 11 h 10 min
